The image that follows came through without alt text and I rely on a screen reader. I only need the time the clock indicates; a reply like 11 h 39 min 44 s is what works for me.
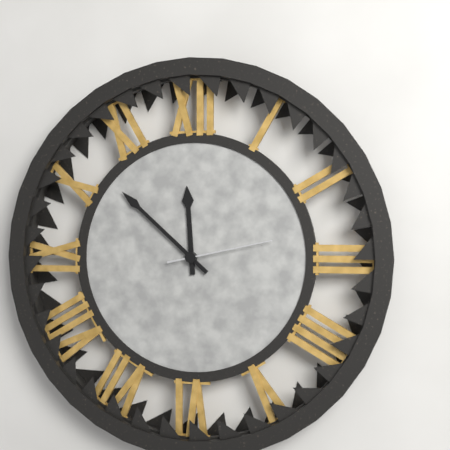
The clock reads 11 h 52 min 13 s
